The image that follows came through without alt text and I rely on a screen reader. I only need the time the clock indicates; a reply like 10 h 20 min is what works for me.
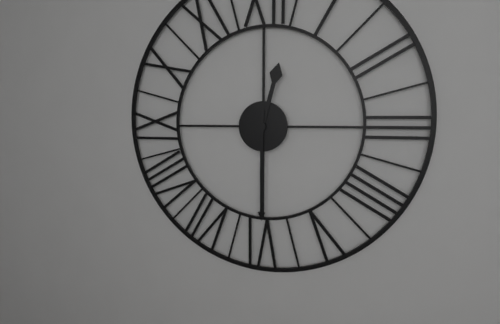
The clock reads 12 h 30 min
